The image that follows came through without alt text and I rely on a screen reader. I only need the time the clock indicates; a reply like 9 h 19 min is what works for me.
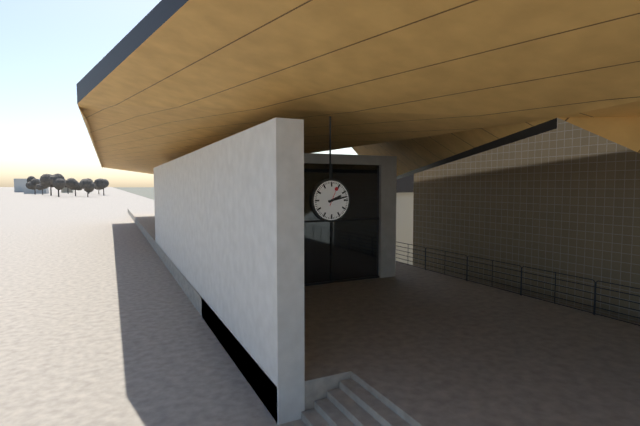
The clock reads 2 h 13 min
